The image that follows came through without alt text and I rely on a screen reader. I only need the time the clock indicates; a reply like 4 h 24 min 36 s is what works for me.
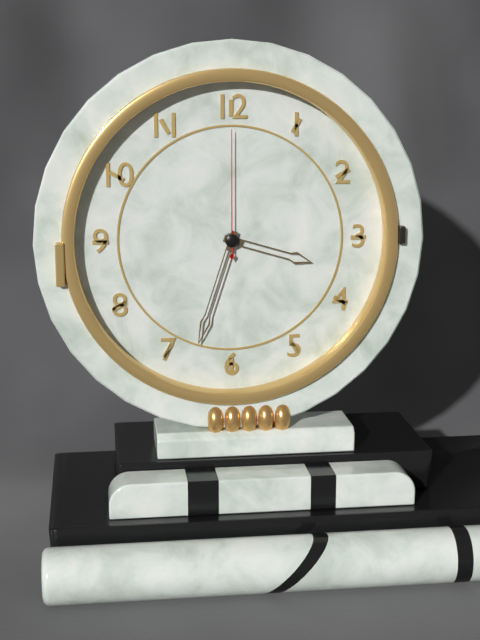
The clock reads 3 h 33 min 00 s
